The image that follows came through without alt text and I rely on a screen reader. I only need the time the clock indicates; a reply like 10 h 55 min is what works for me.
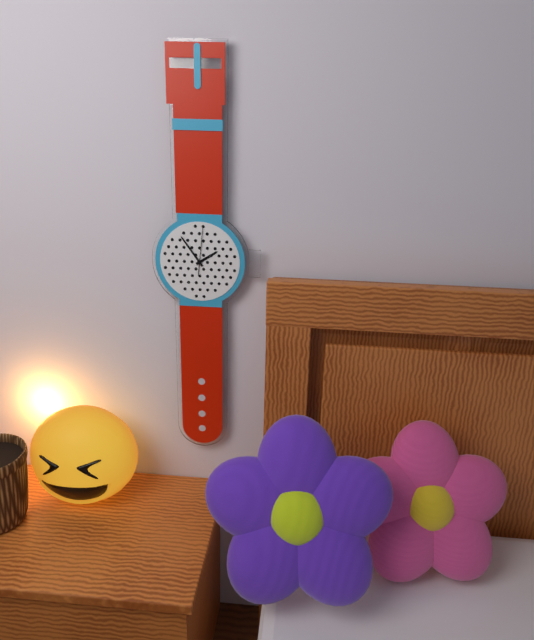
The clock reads 1 h 54 min
